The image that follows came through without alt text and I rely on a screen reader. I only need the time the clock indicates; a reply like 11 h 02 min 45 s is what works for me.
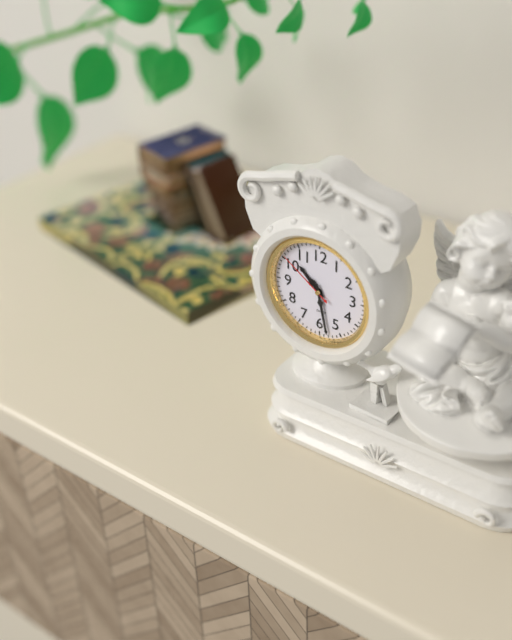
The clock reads 10 h 28 min 51 s
